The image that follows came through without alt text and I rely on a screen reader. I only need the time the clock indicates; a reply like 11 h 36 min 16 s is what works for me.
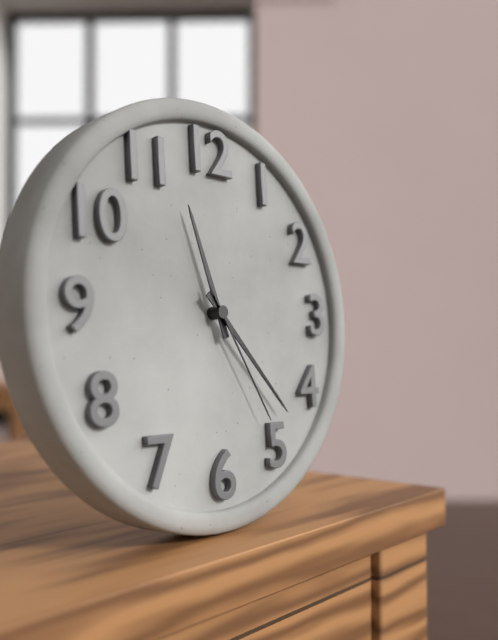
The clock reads 11 h 23 min 25 s
